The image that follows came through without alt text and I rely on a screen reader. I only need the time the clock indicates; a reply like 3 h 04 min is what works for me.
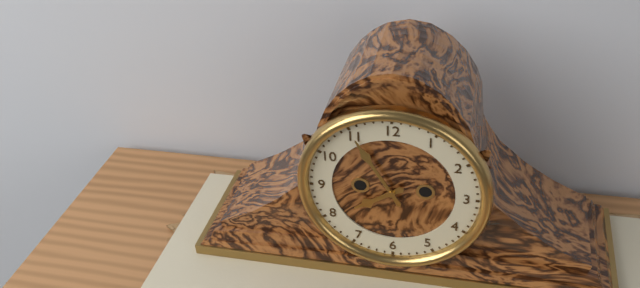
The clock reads 7 h 55 min
